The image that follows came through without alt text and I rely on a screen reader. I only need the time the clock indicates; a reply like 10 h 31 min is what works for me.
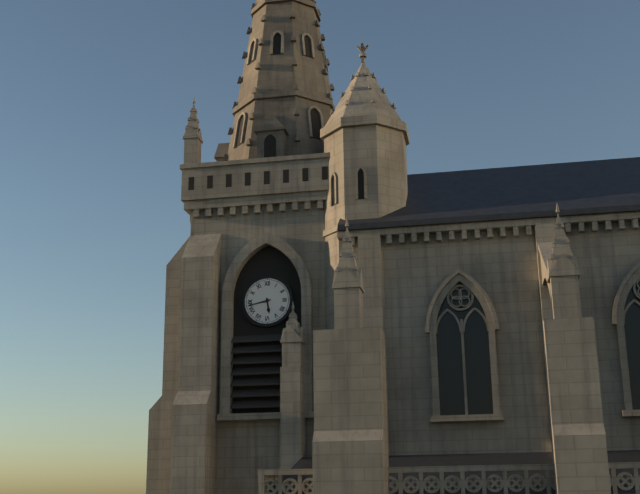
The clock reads 5 h 43 min
